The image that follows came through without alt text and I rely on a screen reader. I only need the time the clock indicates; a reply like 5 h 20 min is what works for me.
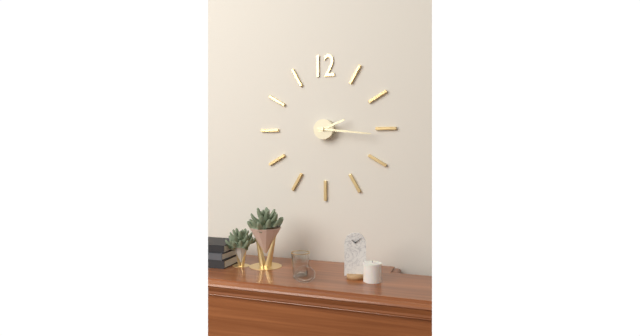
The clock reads 2 h 16 min
